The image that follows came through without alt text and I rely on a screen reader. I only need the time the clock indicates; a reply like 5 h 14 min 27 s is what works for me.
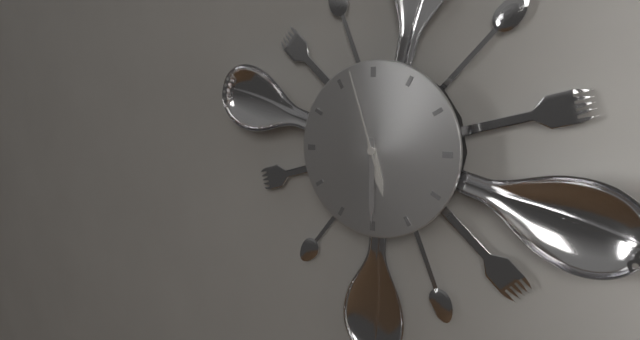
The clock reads 5 h 30 min 57 s
